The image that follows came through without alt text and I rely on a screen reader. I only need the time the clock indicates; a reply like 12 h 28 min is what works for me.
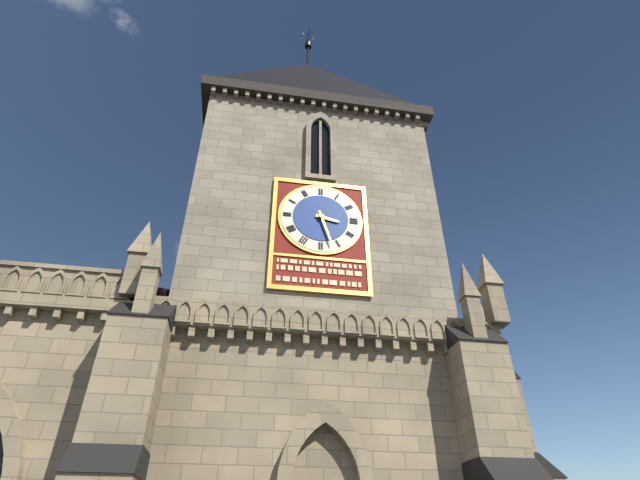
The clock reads 3 h 27 min
